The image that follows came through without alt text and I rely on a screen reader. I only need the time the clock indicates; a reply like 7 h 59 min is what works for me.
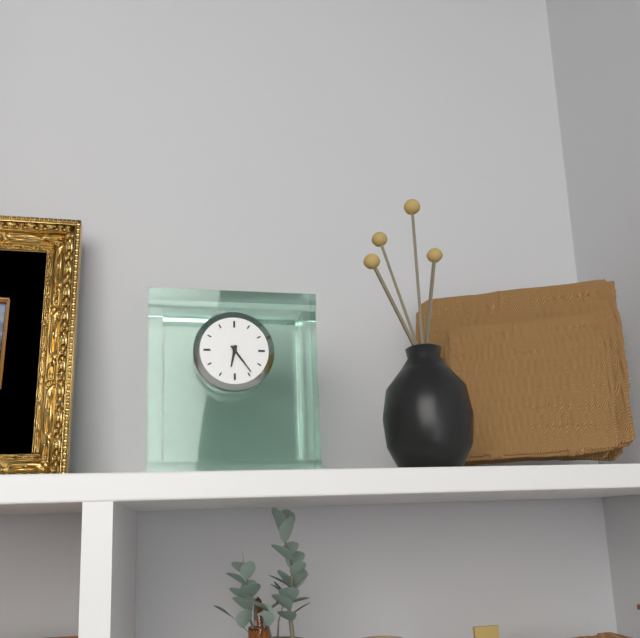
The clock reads 6 h 24 min
